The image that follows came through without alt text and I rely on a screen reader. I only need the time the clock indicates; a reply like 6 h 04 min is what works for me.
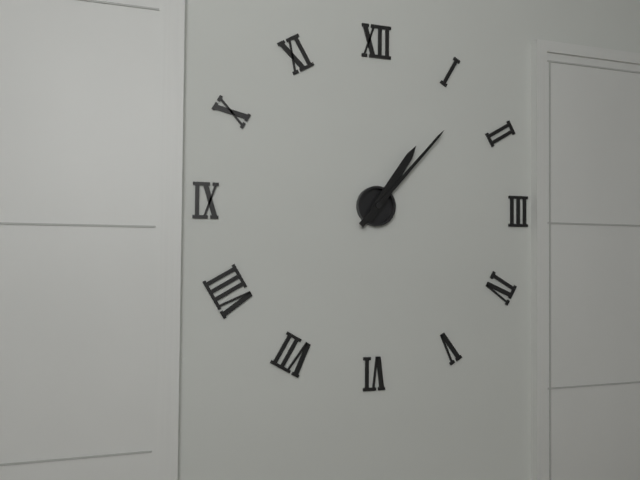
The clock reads 1 h 07 min
